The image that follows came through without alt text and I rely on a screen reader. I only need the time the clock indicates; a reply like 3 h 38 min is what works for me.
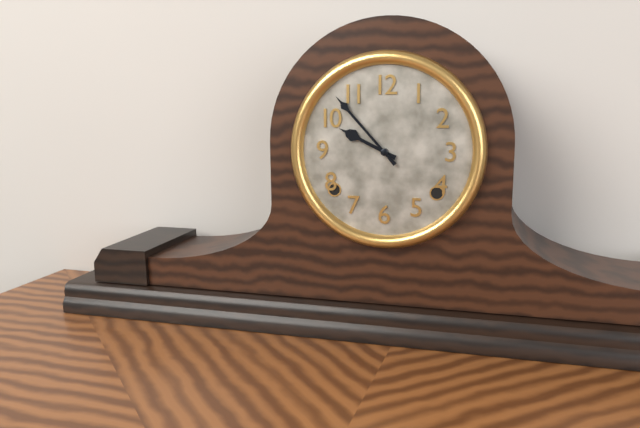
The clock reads 9 h 53 min
